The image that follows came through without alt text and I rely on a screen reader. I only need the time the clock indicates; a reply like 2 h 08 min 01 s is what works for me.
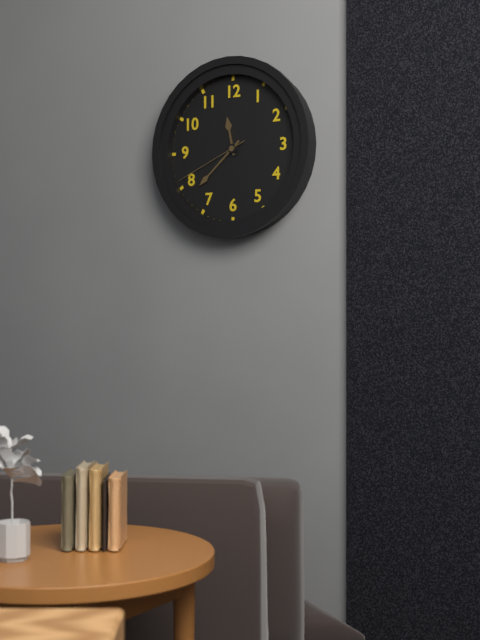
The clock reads 11 h 38 min 41 s
